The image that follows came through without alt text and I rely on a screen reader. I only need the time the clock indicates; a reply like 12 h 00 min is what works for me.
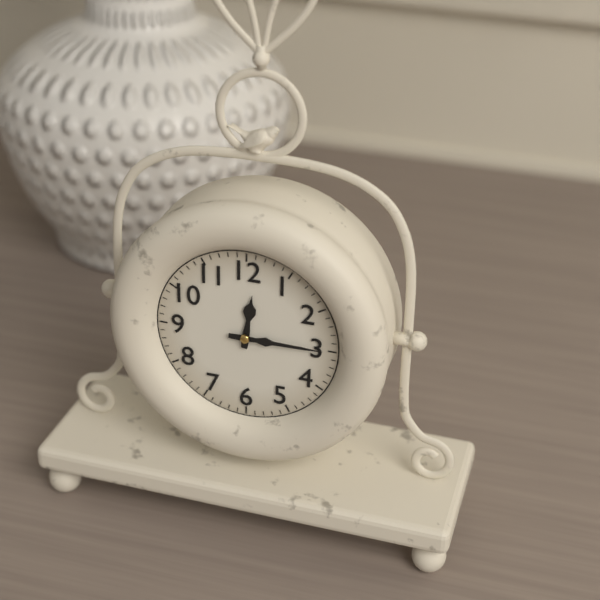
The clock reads 12 h 15 min
